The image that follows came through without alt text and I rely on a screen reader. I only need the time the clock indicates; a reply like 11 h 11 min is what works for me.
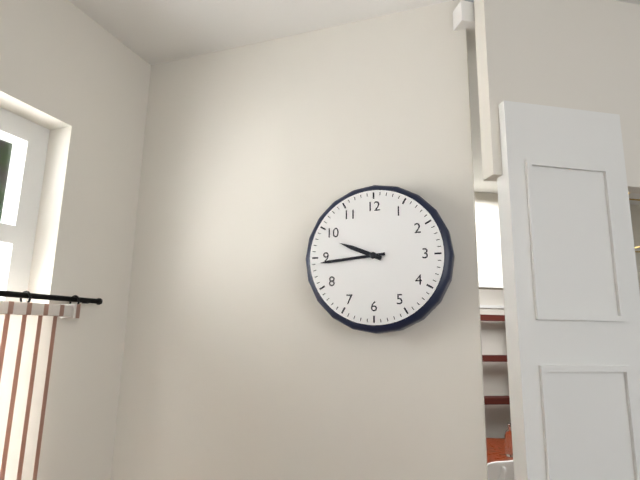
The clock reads 9 h 44 min
